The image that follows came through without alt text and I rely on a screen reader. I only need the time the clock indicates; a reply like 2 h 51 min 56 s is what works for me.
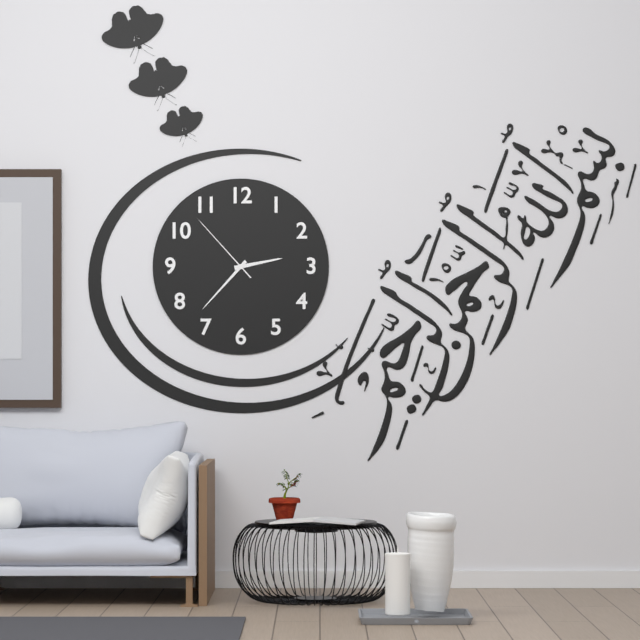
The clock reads 2 h 37 min 53 s
